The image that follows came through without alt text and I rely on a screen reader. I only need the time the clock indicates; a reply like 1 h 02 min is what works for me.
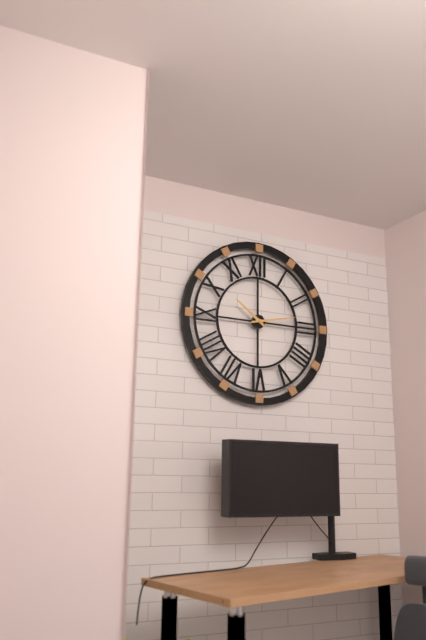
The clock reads 10 h 13 min
